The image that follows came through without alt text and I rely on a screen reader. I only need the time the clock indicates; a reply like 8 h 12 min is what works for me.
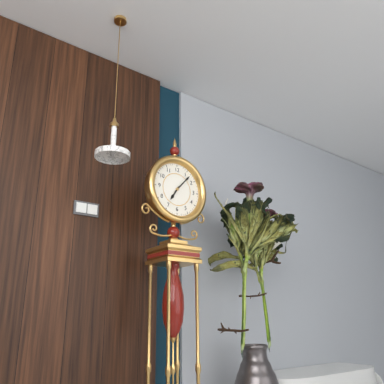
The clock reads 7 h 07 min
